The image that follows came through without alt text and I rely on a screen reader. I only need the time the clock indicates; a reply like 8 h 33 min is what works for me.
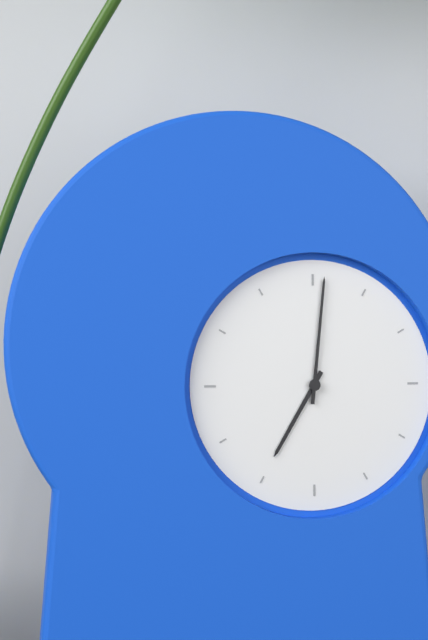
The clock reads 7 h 01 min
